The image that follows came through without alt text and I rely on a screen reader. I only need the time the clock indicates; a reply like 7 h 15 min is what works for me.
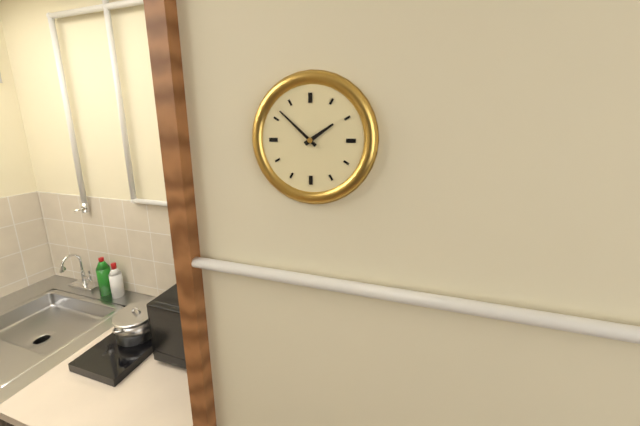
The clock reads 1 h 52 min
